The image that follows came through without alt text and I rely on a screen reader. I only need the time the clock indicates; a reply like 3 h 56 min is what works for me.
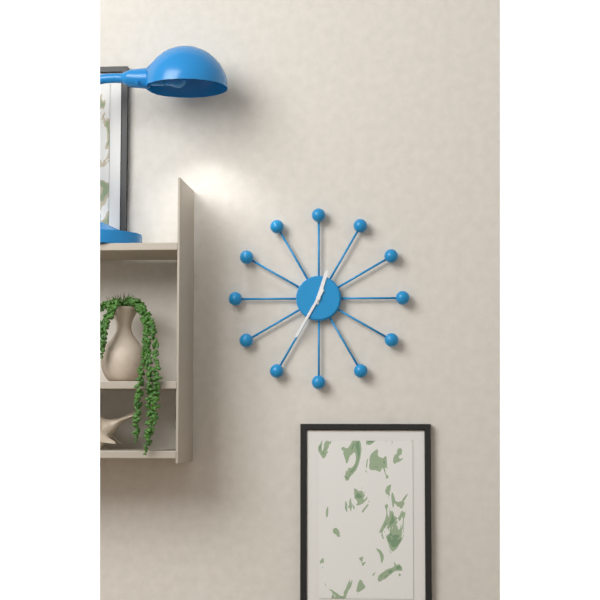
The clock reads 12 h 35 min
